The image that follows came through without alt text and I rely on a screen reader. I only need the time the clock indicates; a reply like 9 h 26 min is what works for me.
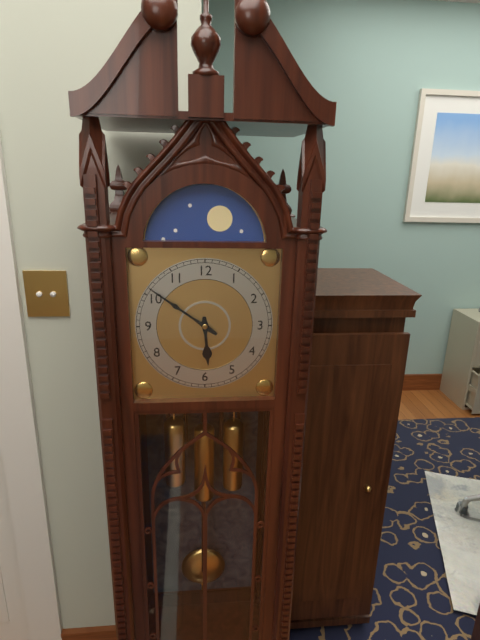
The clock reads 5 h 51 min
